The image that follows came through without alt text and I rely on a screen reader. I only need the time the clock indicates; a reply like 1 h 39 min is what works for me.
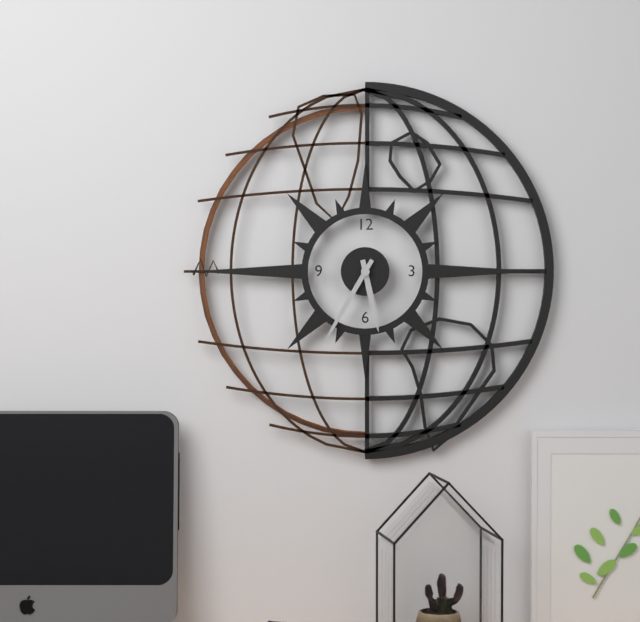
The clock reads 5 h 35 min
